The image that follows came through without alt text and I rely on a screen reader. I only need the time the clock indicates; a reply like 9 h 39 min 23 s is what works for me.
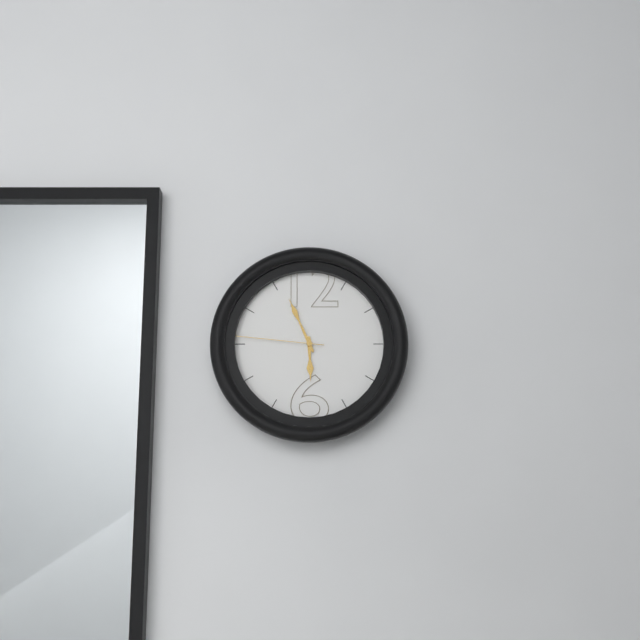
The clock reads 5 h 56 min 46 s
